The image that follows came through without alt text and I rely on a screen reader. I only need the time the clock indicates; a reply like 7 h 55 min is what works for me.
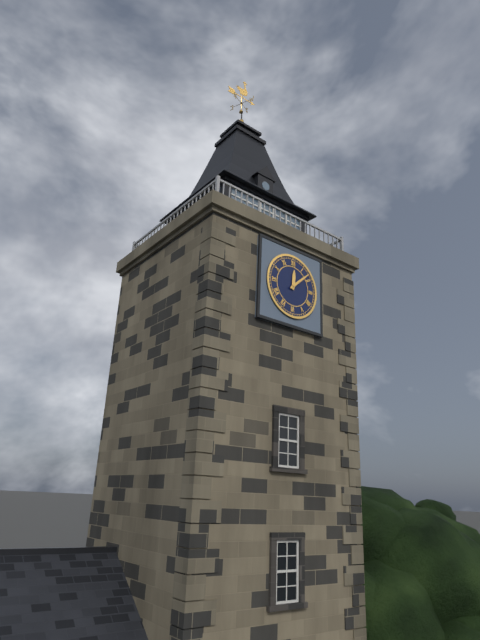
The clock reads 12 h 08 min
